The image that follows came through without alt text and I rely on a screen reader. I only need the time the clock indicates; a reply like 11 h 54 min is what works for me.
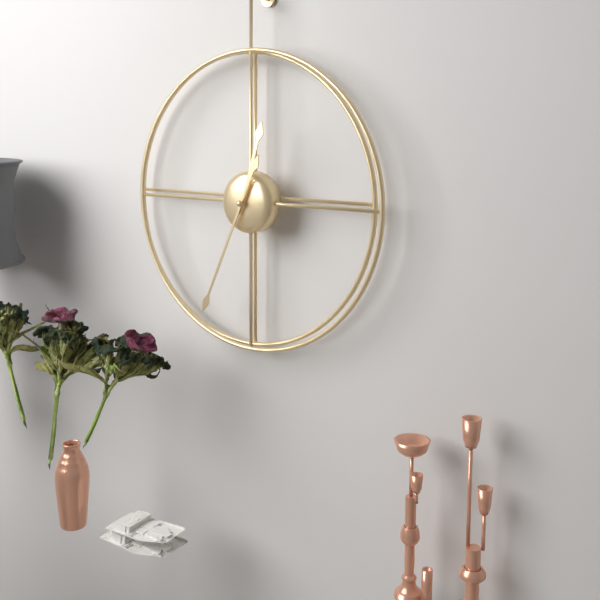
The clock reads 12 h 34 min
